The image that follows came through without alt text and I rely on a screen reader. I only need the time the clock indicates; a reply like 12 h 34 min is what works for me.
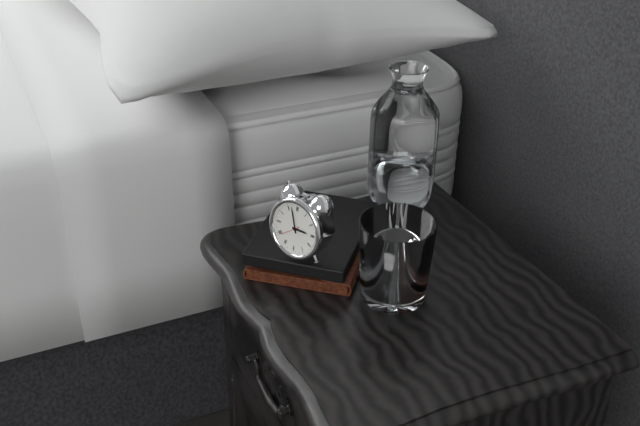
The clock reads 2 h 57 min
